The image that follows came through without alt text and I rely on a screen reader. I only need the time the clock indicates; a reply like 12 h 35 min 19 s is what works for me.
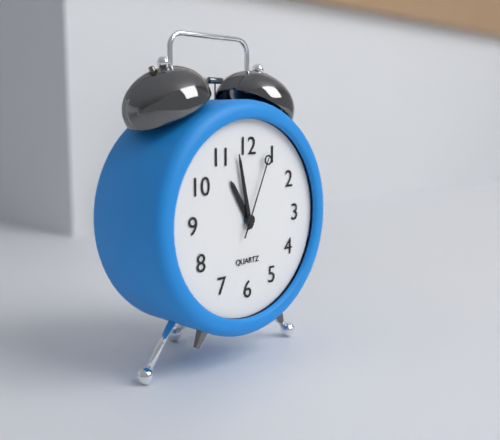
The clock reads 10 h 58 min 04 s
